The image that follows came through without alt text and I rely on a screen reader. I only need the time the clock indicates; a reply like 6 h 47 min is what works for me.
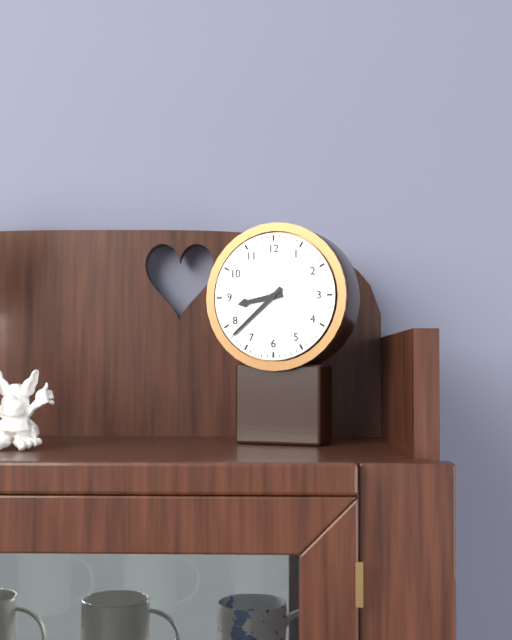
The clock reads 8 h 38 min
